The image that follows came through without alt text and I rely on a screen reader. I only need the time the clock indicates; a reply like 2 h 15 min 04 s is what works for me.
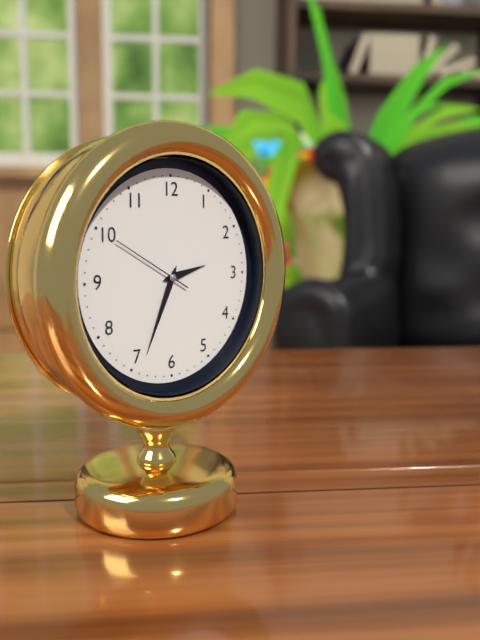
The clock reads 2 h 34 min 50 s
